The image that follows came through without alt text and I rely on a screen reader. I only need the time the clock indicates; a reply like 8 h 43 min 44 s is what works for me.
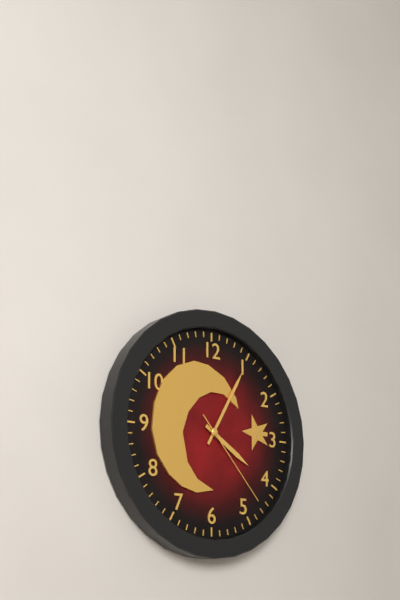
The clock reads 4 h 05 min 23 s
